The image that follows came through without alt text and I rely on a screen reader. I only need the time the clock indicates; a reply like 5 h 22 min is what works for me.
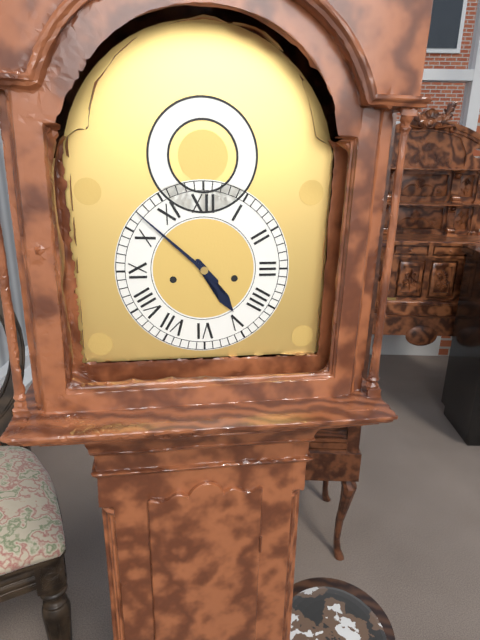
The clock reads 4 h 52 min
